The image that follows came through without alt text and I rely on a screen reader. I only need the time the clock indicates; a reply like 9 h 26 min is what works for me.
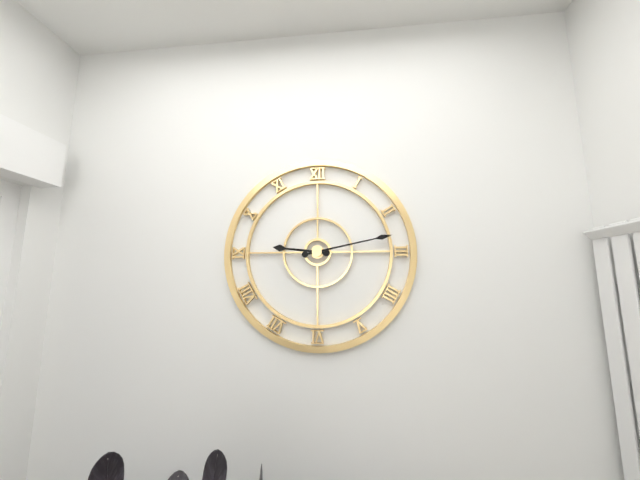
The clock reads 9 h 13 min
